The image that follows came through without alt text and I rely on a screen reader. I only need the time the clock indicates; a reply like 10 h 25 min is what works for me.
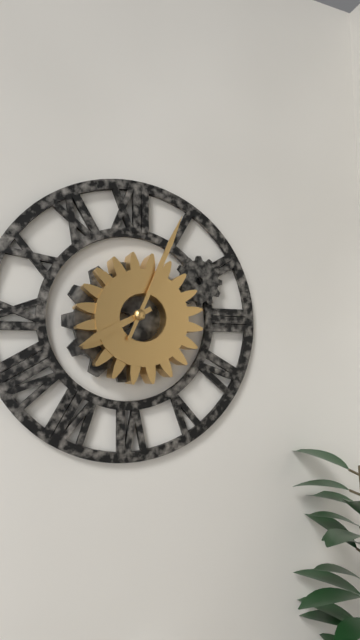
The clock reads 8 h 04 min
